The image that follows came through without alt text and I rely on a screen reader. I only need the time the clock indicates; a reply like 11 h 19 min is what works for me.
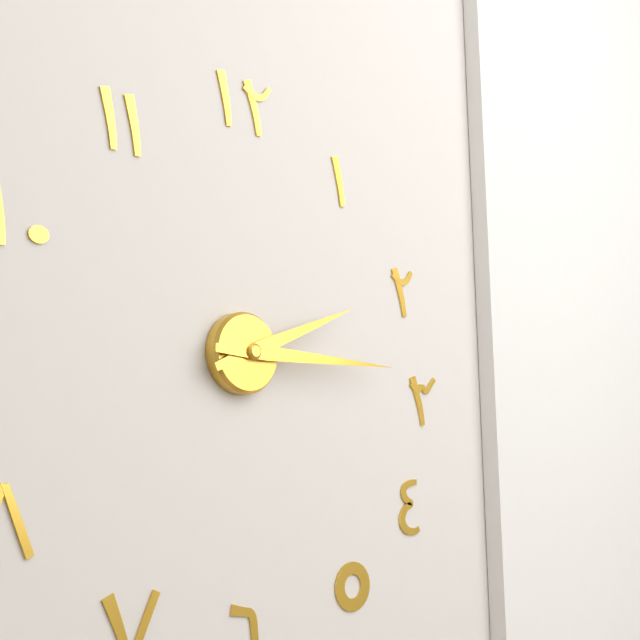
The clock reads 2 h 15 min
